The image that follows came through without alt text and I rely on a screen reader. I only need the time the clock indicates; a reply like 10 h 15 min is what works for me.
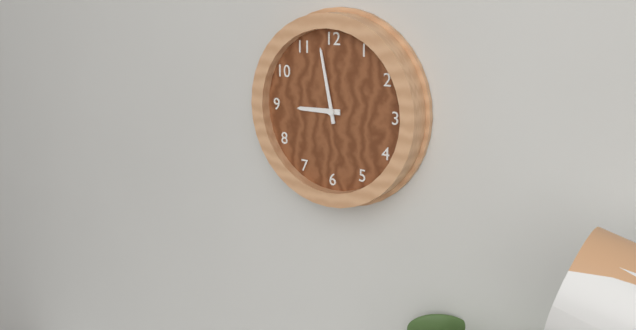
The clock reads 8 h 58 min
